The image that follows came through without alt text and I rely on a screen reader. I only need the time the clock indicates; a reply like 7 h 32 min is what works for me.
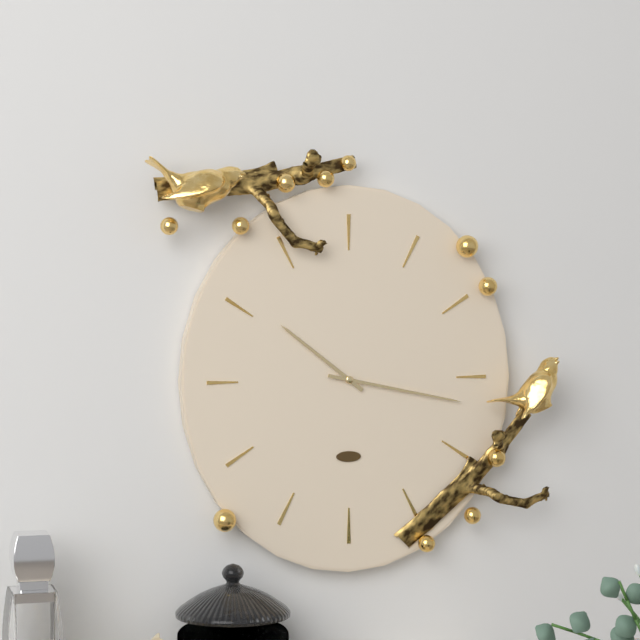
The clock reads 10 h 17 min
